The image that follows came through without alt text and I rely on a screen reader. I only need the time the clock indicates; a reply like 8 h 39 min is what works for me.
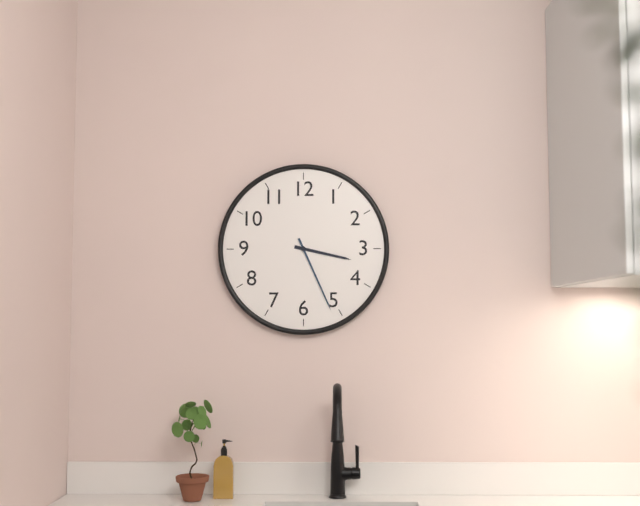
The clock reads 3 h 26 min
